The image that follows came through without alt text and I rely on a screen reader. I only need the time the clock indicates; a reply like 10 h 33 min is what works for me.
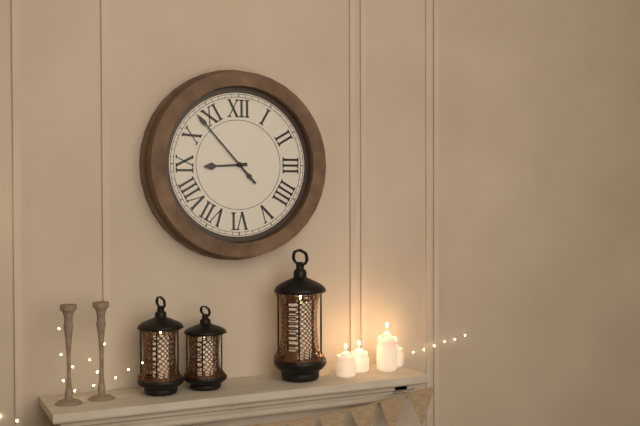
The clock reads 8 h 53 min
